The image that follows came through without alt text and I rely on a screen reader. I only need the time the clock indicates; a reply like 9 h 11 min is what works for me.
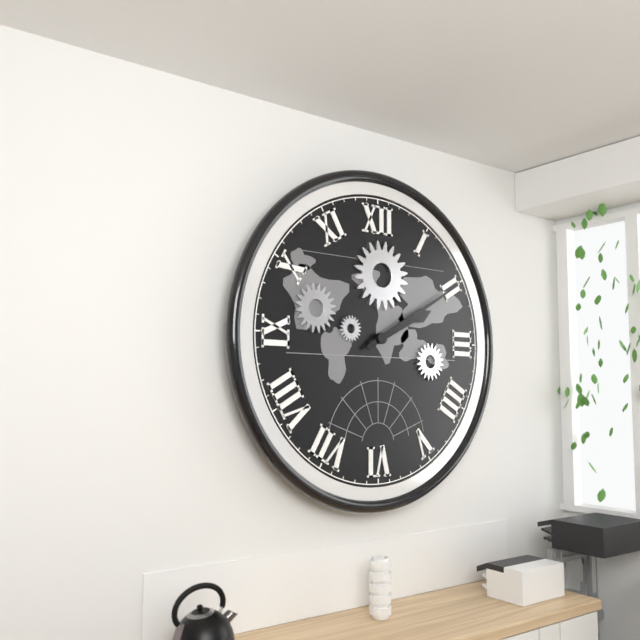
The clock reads 2 h 10 min
